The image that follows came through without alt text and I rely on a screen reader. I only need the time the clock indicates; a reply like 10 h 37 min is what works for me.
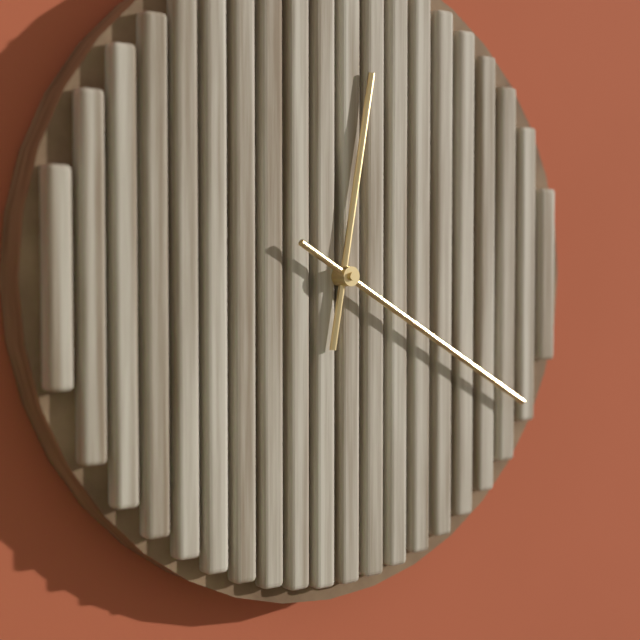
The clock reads 12 h 20 min
